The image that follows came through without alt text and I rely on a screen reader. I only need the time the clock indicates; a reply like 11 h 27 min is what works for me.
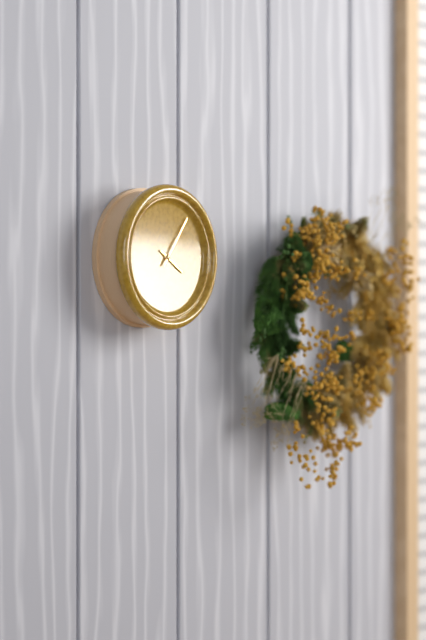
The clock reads 4 h 06 min
